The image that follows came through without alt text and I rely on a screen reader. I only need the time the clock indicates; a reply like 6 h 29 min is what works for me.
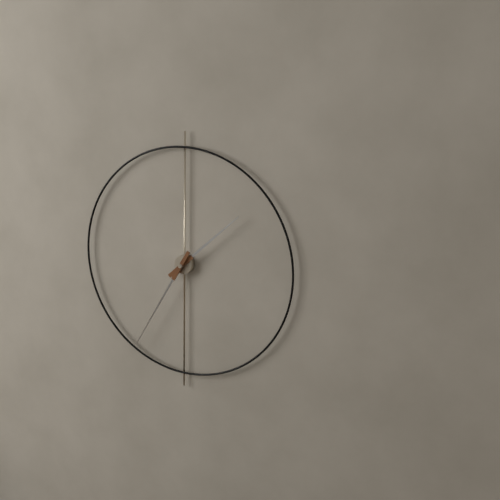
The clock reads 1 h 35 min
